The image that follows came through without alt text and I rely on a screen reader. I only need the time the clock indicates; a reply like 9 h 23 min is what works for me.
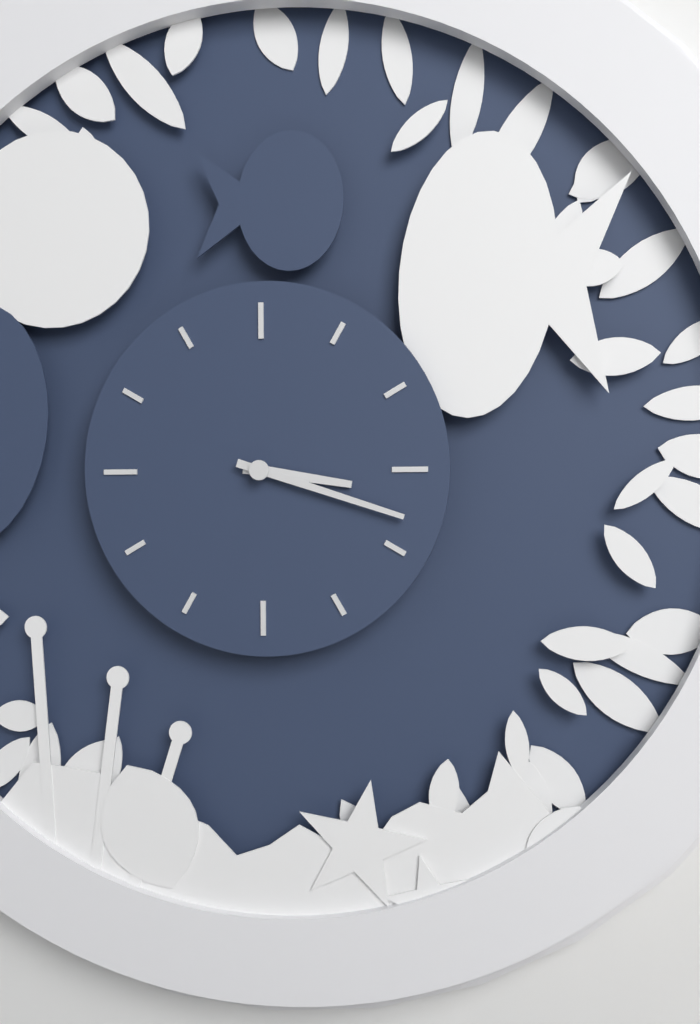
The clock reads 3 h 18 min
